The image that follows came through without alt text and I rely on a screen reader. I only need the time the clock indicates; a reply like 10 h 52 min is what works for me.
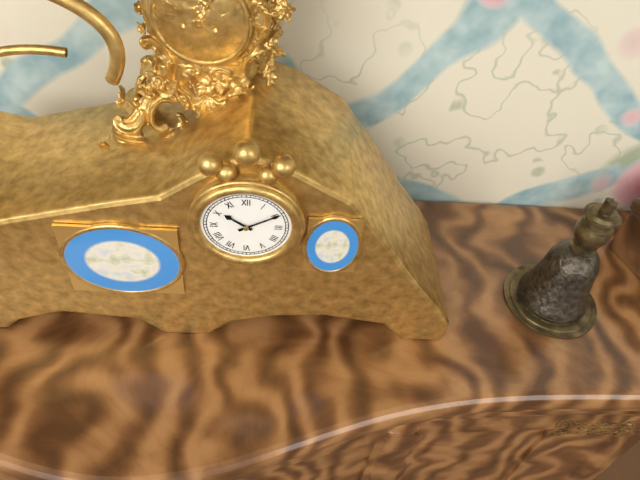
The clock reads 10 h 10 min
